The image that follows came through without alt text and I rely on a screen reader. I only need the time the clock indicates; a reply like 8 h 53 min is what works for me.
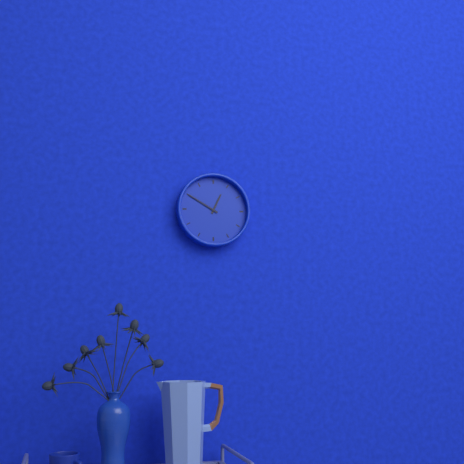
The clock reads 12 h 50 min
